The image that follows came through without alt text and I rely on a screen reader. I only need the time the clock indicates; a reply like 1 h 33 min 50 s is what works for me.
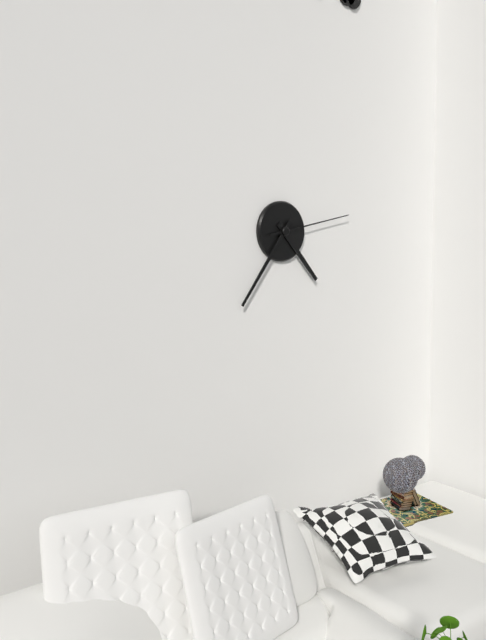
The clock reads 4 h 36 min 13 s
